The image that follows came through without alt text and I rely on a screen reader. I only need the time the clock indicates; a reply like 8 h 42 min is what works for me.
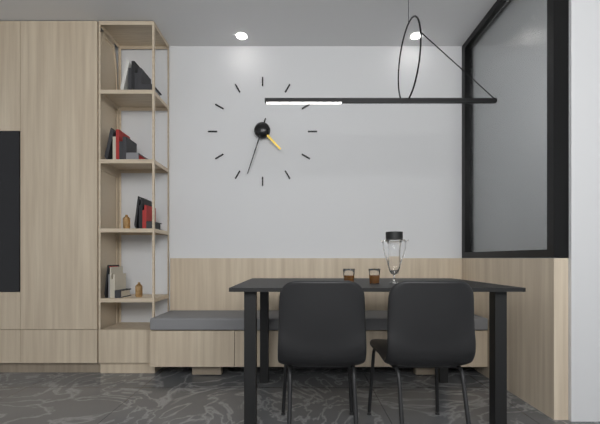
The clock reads 4 h 33 min
